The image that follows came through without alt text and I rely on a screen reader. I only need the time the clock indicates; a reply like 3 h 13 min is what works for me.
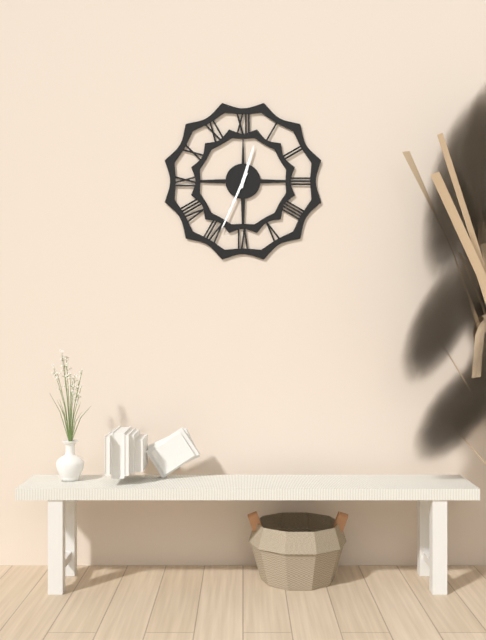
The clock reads 12 h 34 min
